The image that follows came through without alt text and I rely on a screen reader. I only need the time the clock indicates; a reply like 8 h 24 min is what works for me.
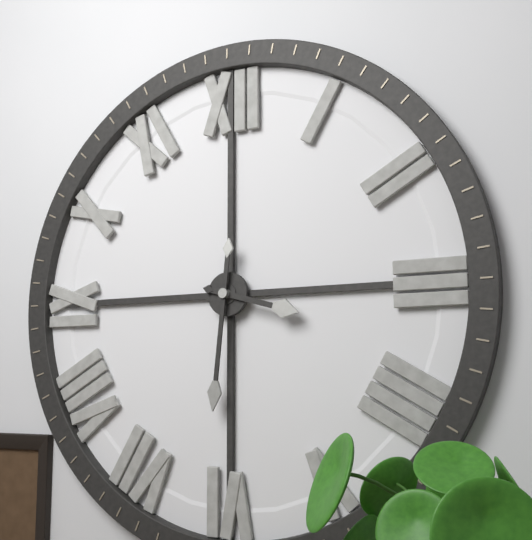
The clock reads 3 h 31 min
